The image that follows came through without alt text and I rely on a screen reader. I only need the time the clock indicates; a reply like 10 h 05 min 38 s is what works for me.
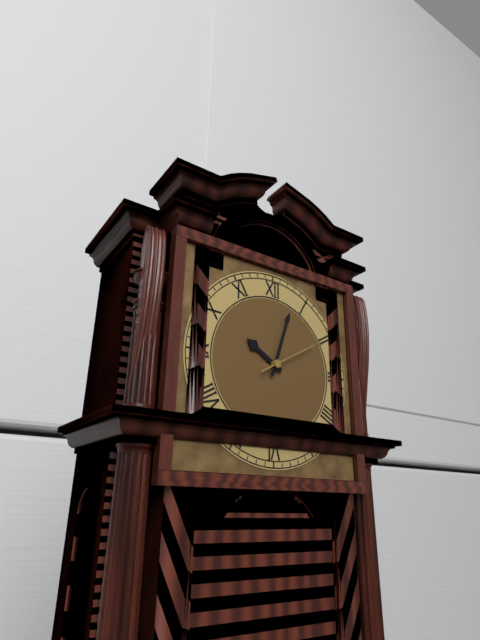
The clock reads 10 h 03 min 10 s
